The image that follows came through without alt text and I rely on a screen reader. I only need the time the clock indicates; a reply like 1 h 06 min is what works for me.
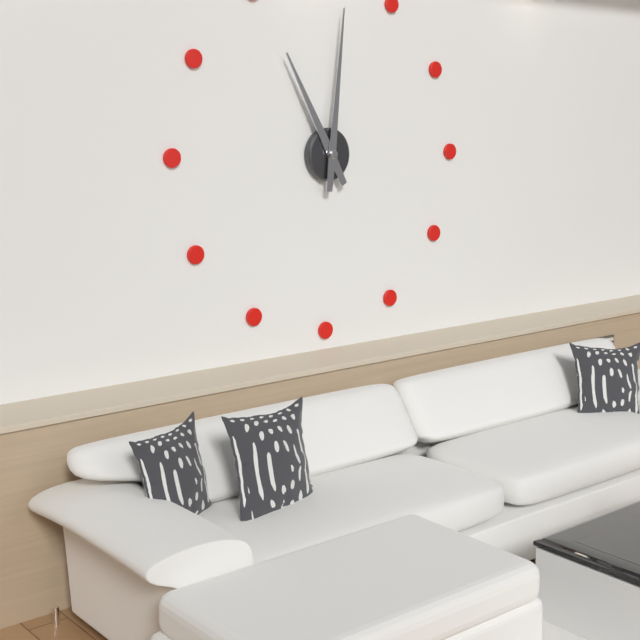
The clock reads 11 h 01 min
